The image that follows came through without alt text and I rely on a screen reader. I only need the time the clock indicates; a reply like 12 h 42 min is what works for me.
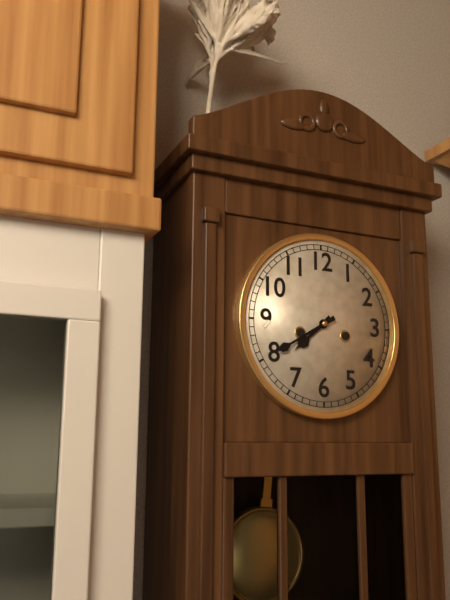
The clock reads 7 h 40 min
